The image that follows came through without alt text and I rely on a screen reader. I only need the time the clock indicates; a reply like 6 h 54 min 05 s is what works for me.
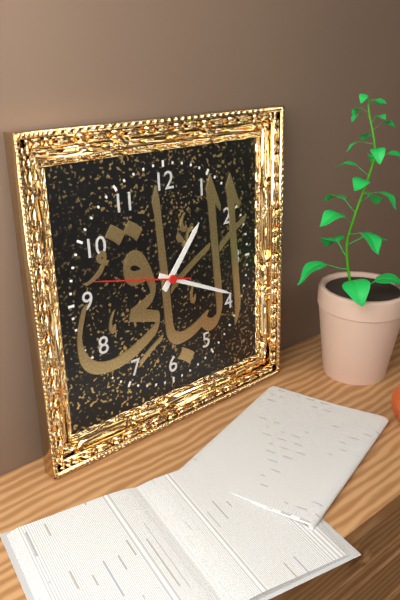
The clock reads 1 h 19 min 47 s
